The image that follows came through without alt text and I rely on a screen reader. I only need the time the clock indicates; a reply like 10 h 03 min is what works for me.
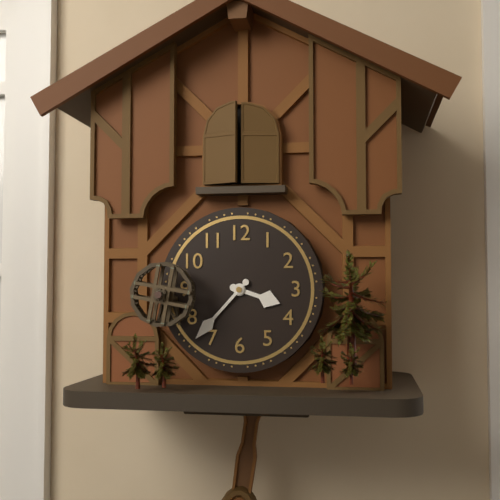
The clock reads 3 h 37 min
